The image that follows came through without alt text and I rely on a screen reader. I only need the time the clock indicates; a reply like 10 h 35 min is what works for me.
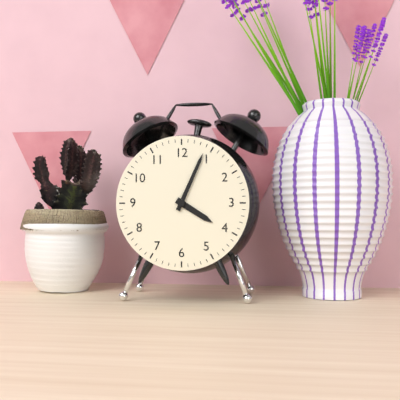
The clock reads 4 h 04 min
